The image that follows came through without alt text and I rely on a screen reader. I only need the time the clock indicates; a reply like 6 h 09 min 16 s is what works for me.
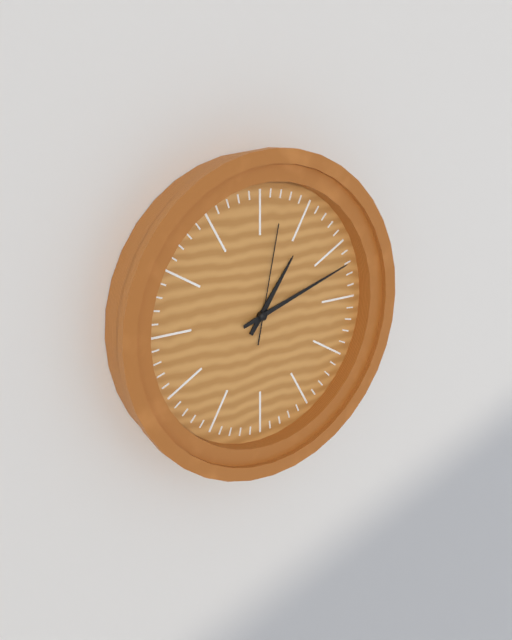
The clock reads 1 h 12 min 02 s
